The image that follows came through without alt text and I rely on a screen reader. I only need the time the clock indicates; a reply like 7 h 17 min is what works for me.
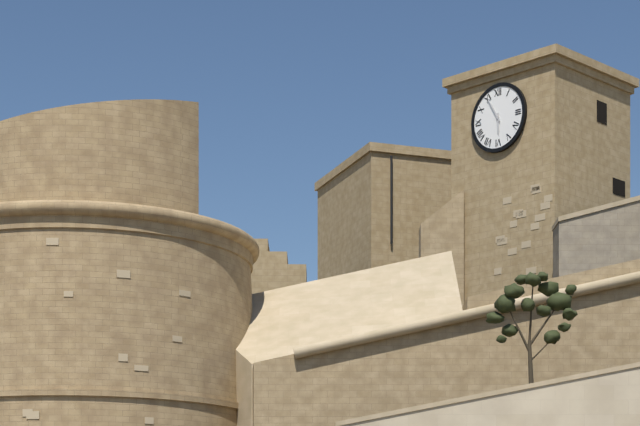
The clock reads 5 h 55 min
